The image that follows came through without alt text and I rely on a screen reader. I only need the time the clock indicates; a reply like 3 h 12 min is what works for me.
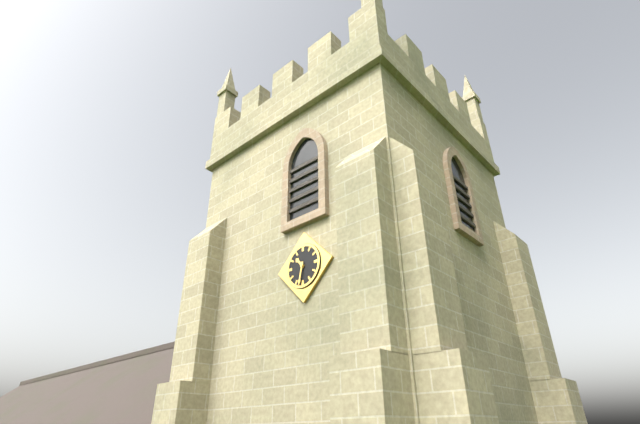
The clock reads 10 h 32 min
